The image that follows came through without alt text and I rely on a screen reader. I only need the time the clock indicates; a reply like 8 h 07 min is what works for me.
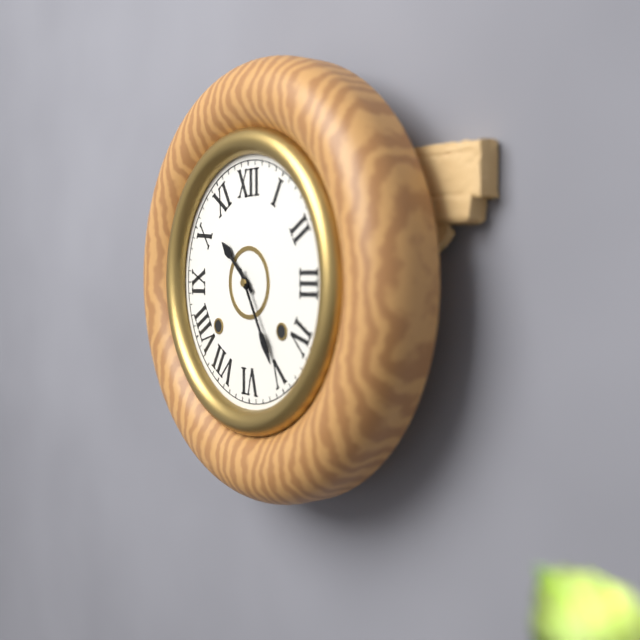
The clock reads 10 h 25 min
